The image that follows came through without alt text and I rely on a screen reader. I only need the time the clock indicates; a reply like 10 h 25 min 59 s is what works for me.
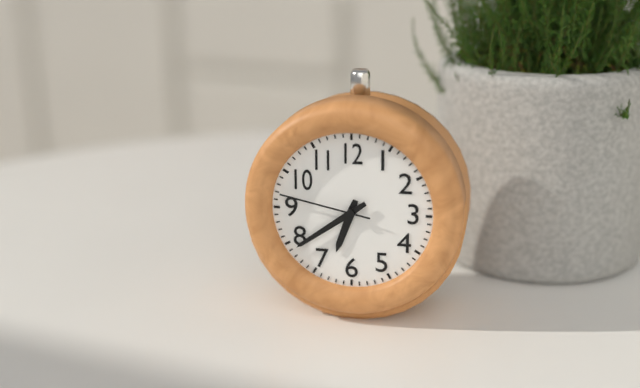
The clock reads 6 h 39 min 47 s
